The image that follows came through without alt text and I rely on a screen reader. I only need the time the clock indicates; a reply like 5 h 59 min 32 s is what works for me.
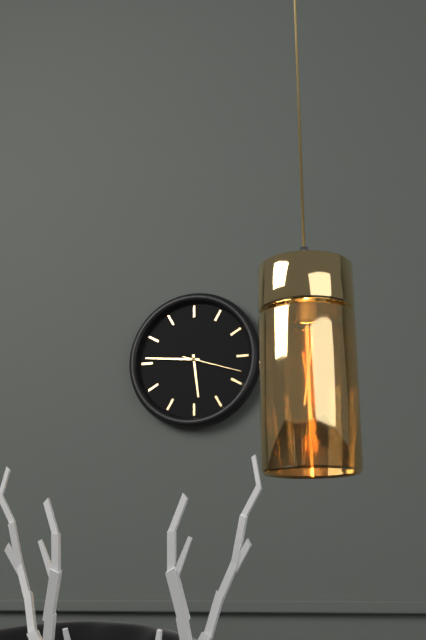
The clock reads 5 h 46 min 18 s
